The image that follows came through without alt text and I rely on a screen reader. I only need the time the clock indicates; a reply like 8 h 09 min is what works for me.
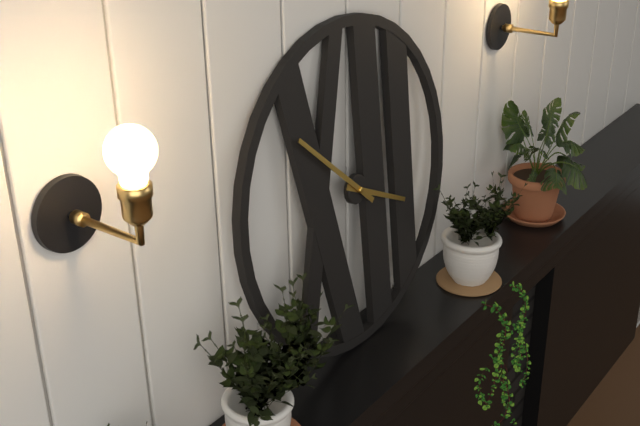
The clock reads 3 h 52 min
